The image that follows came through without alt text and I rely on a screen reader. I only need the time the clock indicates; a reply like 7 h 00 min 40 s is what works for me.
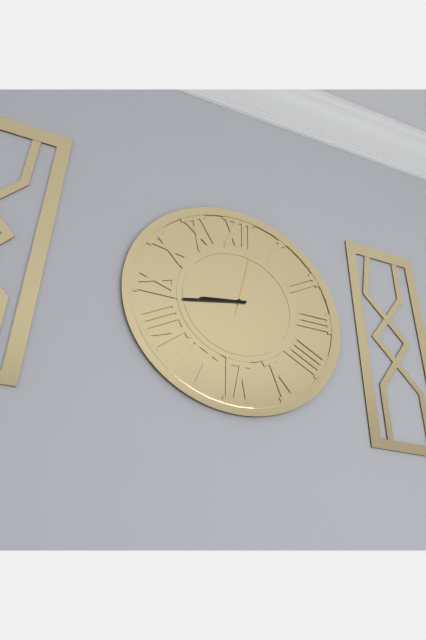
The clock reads 8 h 43 min 02 s
